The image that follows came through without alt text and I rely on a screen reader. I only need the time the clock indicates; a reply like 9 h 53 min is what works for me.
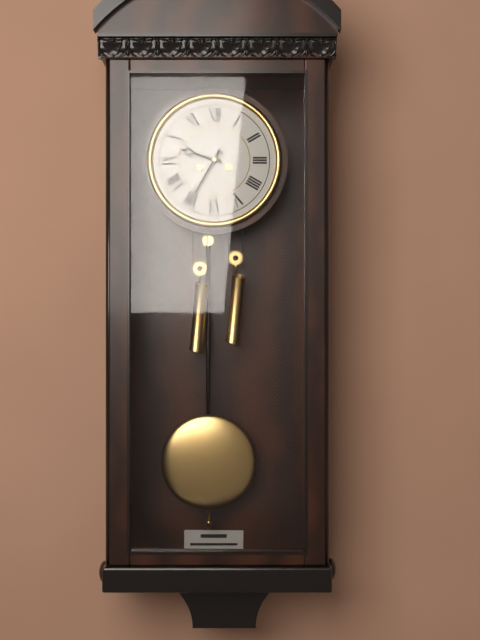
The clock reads 9 h 35 min
